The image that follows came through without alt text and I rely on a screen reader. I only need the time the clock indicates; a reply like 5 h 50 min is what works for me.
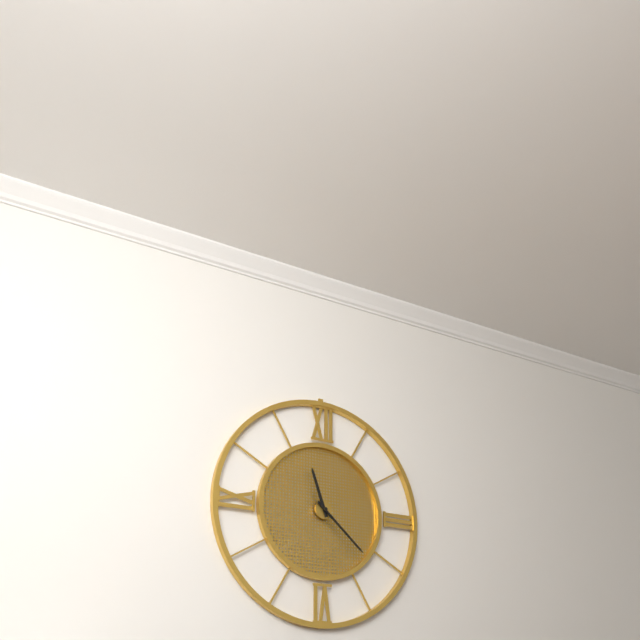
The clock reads 11 h 22 min
